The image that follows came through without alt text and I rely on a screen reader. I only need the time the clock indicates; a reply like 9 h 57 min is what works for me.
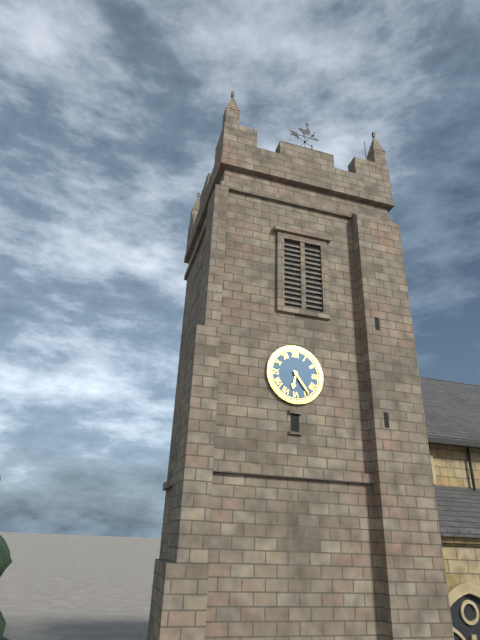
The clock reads 6 h 24 min
